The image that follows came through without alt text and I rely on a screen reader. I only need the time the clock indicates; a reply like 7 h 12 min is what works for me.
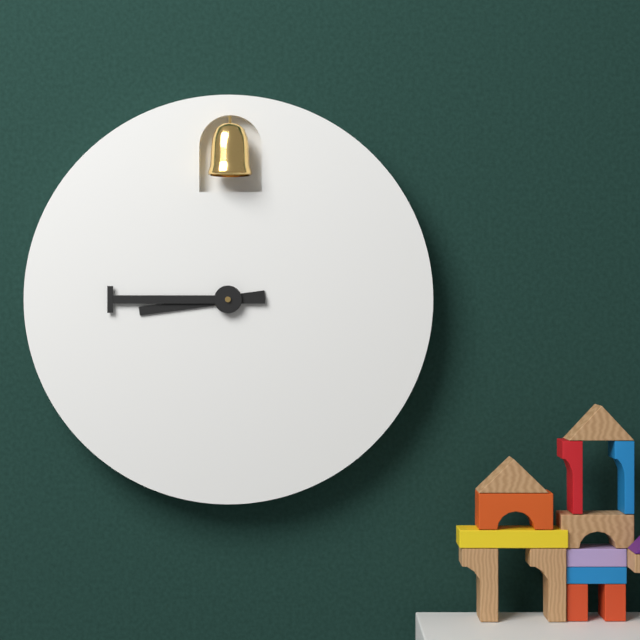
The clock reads 8 h 45 min
